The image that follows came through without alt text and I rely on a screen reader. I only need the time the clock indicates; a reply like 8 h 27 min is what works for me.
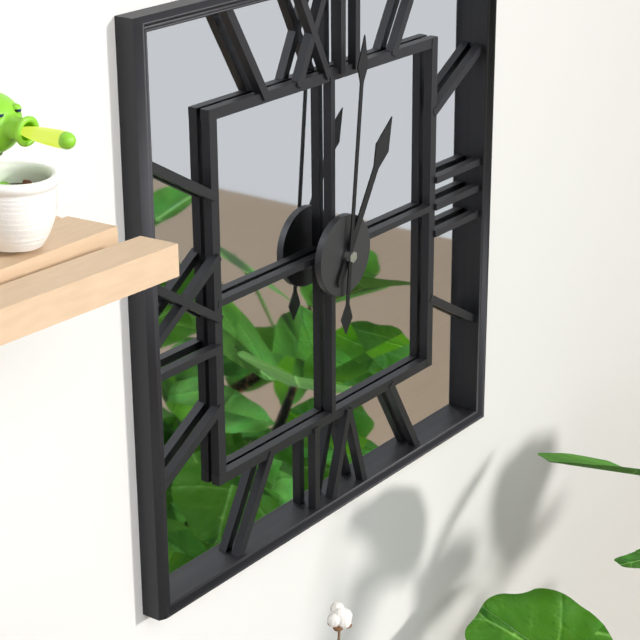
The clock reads 1 h 01 min
